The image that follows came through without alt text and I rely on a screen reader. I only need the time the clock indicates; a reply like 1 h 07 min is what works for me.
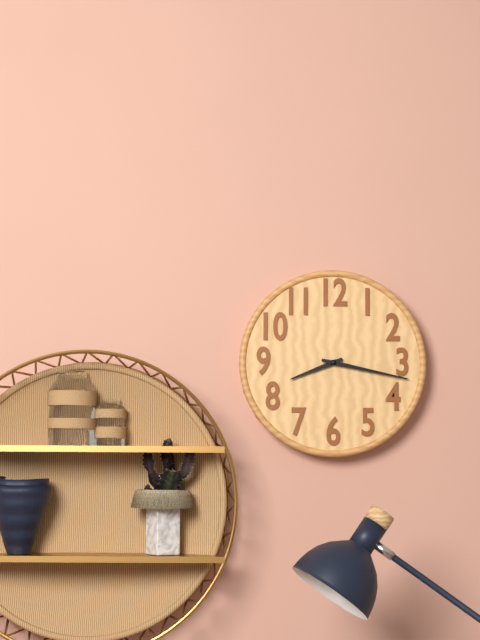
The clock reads 8 h 17 min
